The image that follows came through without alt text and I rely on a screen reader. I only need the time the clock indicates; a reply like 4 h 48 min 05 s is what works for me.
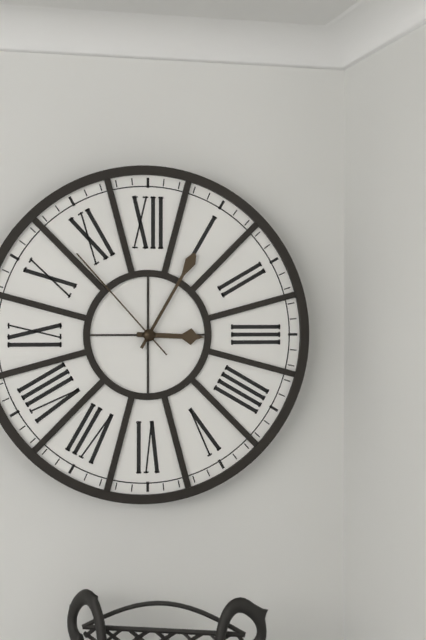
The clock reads 3 h 05 min 53 s
